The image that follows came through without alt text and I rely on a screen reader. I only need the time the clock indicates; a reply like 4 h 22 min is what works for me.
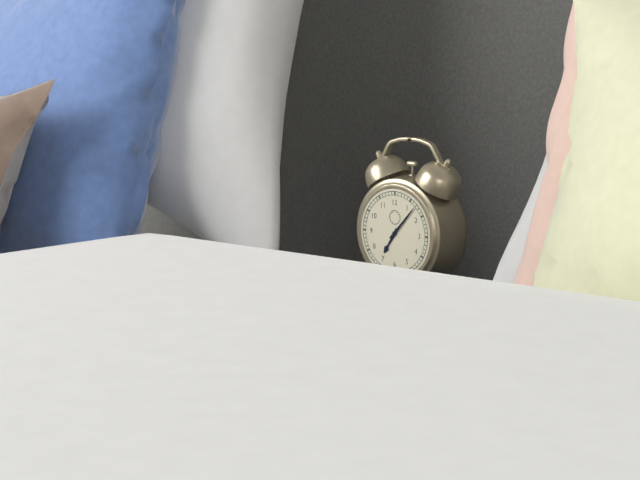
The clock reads 7 h 07 min
